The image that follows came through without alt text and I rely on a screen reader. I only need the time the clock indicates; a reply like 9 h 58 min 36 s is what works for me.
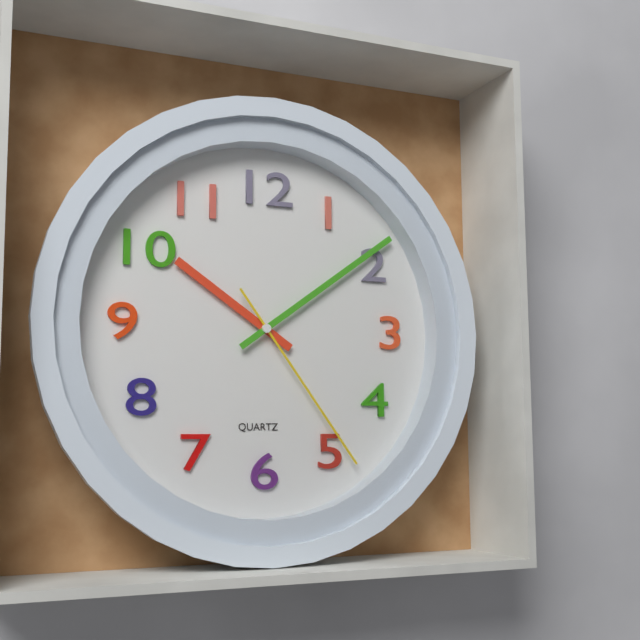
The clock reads 10 h 09 min 24 s
